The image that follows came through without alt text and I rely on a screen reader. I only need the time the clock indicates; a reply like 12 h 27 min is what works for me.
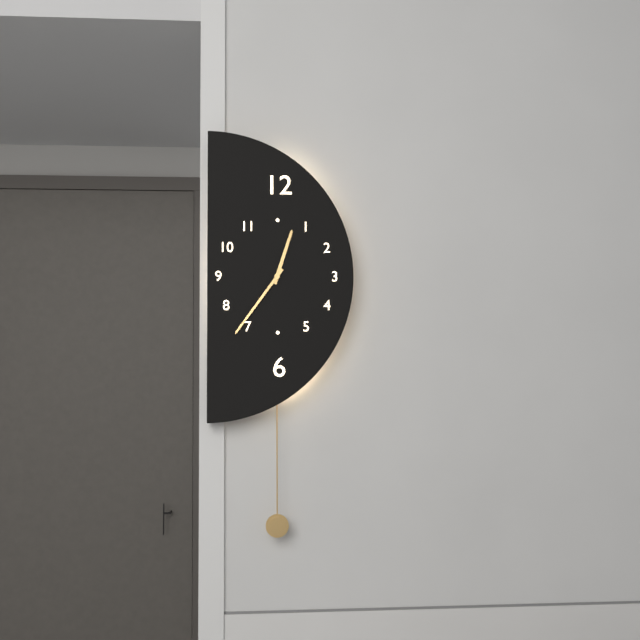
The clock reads 12 h 36 min
